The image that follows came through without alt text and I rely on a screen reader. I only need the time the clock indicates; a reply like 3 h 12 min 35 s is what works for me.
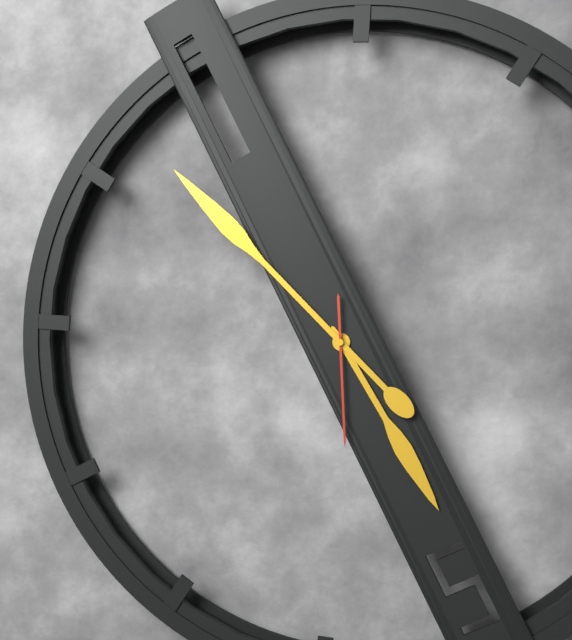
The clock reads 4 h 52 min 29 s
